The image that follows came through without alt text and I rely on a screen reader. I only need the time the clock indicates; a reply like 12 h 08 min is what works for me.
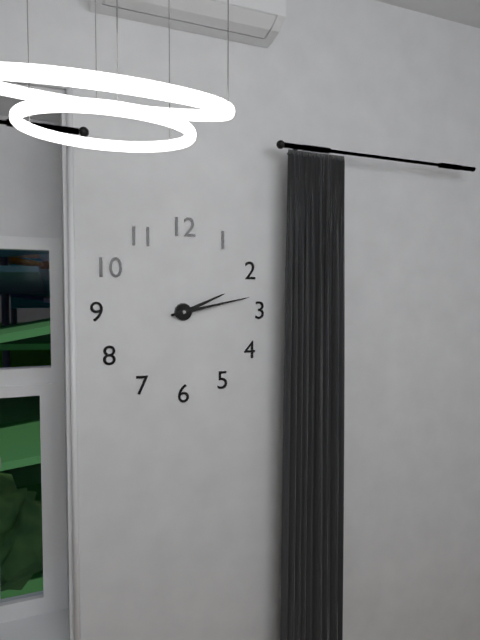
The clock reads 2 h 13 min
